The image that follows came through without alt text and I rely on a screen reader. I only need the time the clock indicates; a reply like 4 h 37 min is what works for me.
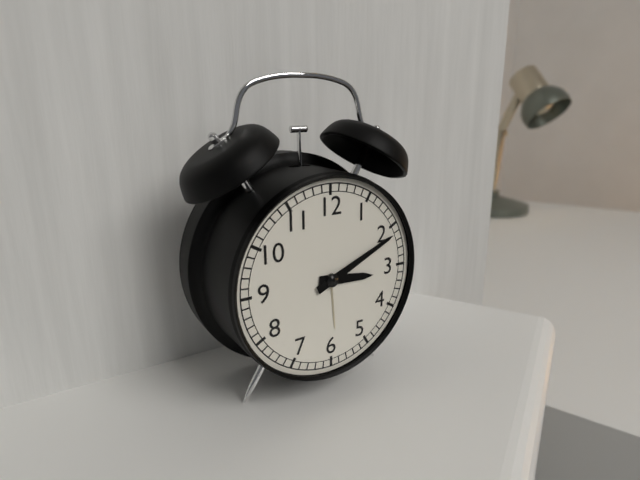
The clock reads 3 h 11 min
